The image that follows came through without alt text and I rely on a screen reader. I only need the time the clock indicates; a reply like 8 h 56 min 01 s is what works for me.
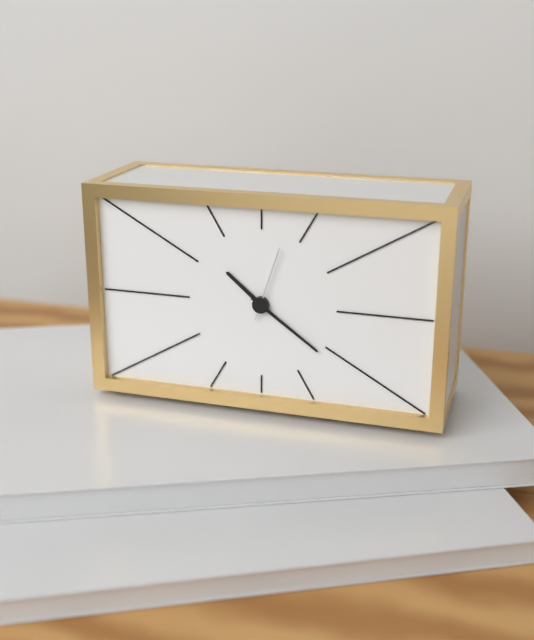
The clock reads 10 h 21 min 03 s
